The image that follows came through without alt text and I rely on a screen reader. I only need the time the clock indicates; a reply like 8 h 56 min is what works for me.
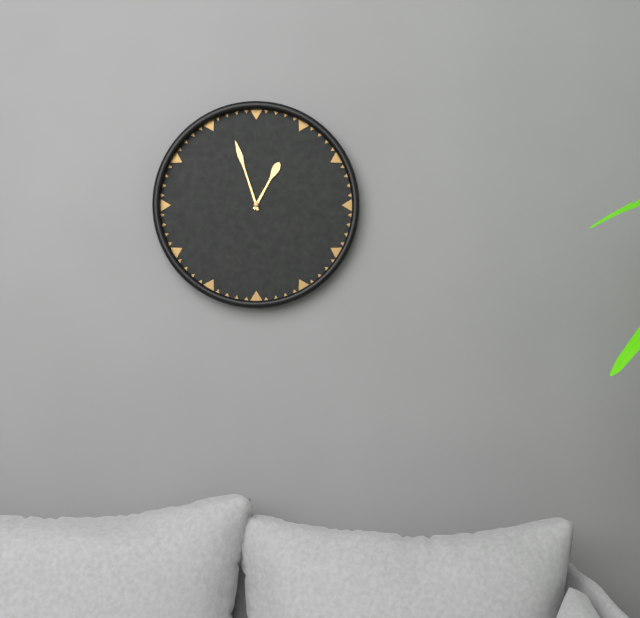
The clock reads 12 h 57 min
